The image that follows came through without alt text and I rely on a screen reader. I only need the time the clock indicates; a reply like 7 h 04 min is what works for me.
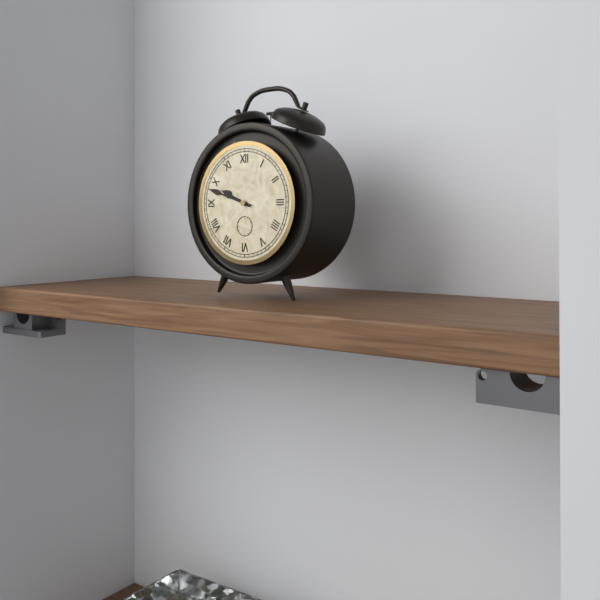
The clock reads 9 h 48 min
